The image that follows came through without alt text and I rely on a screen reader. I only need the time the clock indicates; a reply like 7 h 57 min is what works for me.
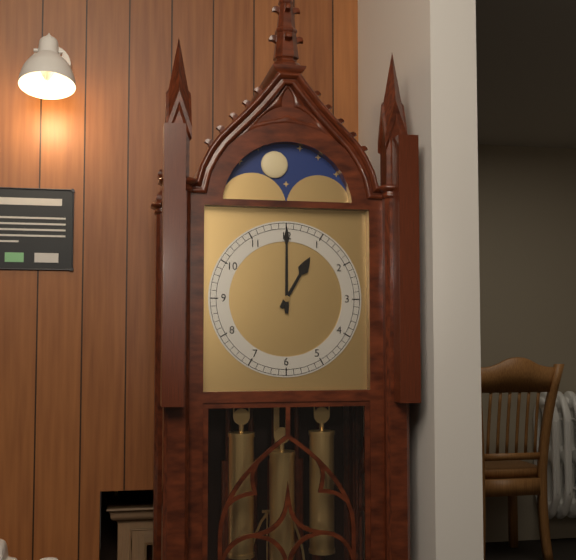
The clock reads 1 h 00 min
